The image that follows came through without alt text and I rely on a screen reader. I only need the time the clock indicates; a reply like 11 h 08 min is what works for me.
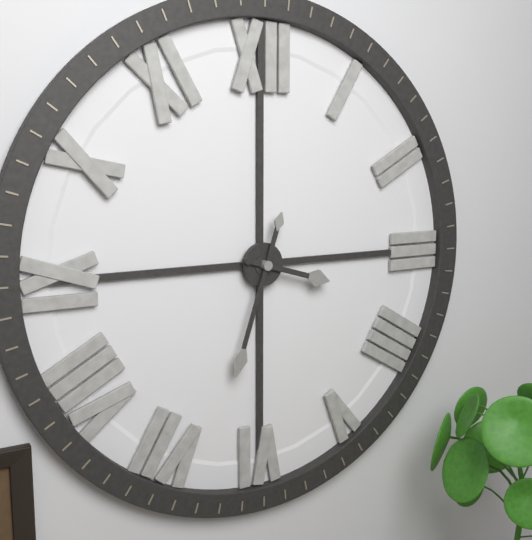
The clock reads 3 h 33 min
